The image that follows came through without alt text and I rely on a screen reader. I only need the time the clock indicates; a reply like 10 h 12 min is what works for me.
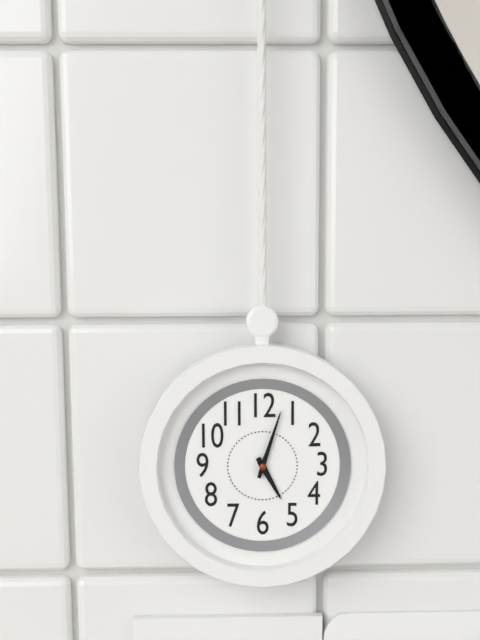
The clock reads 5 h 03 min
